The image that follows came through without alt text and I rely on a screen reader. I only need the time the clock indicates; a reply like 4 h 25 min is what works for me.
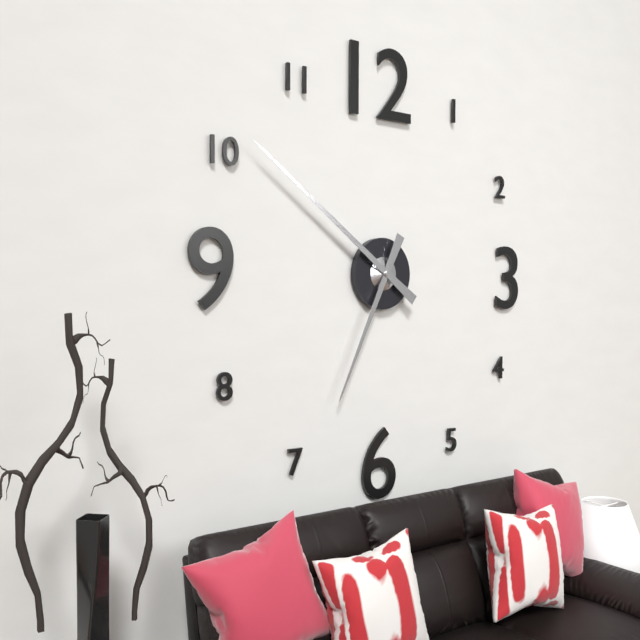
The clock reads 6 h 51 min
